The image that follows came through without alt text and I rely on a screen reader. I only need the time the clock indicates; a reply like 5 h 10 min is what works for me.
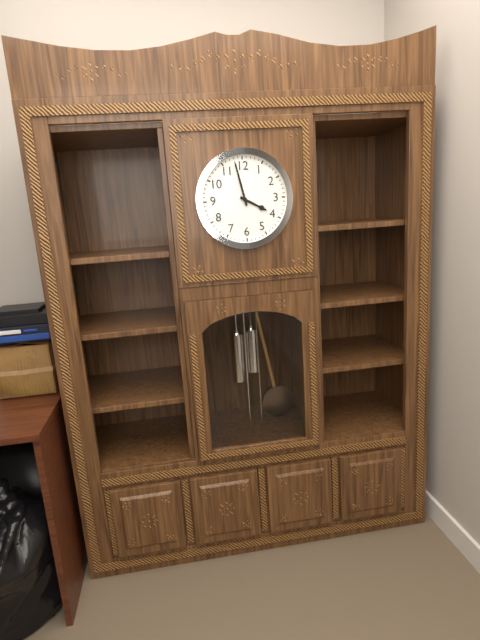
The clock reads 3 h 58 min
